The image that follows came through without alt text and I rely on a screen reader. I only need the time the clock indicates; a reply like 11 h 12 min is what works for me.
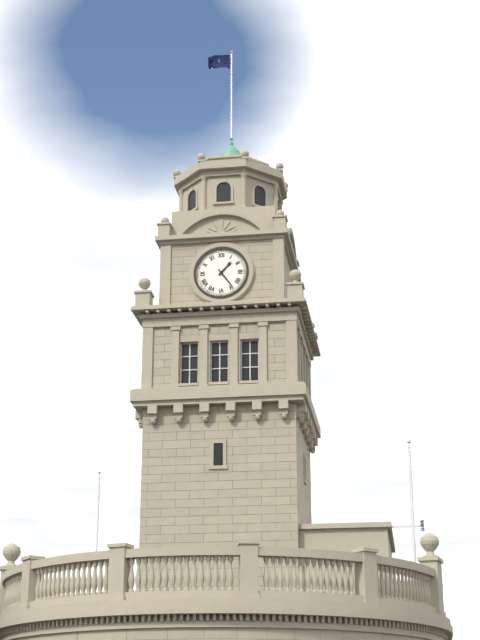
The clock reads 1 h 24 min
